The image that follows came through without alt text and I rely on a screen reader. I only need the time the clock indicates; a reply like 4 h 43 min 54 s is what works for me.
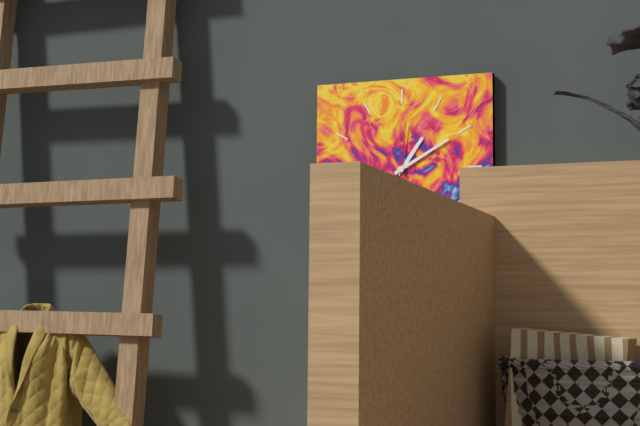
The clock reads 1 h 10 min 01 s
